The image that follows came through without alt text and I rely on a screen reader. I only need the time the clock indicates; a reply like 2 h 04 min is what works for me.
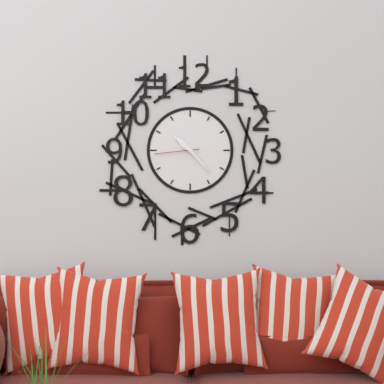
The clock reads 10 h 23 min
